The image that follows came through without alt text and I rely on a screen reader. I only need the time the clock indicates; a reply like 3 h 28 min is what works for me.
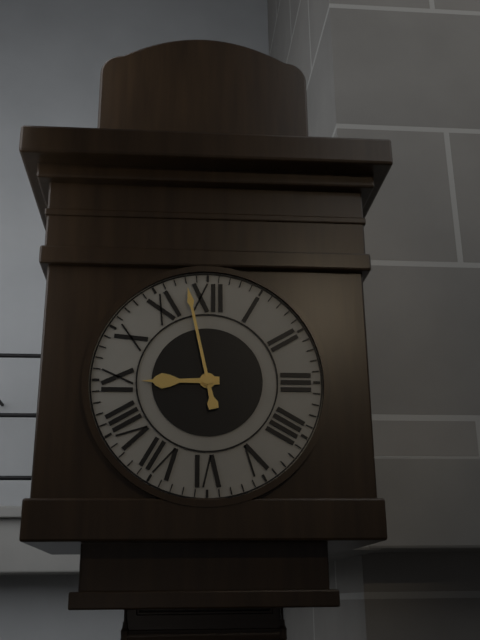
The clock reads 8 h 58 min
